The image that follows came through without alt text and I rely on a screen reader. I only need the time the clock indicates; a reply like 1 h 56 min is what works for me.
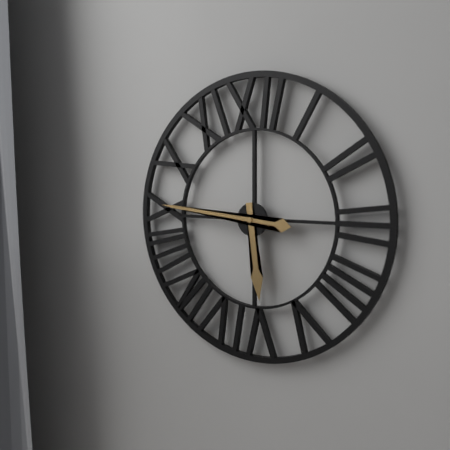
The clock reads 5 h 46 min
